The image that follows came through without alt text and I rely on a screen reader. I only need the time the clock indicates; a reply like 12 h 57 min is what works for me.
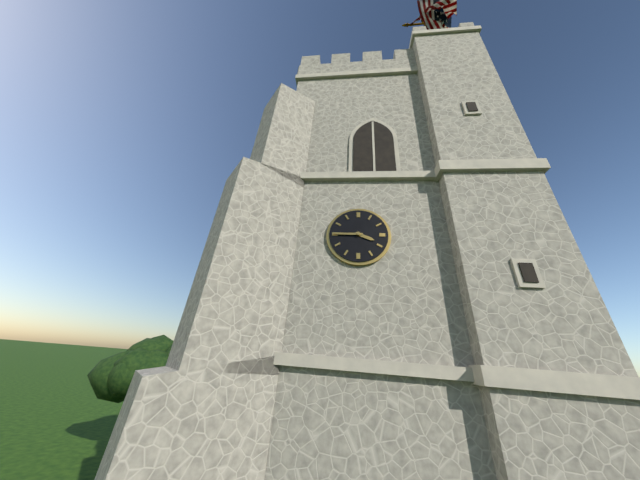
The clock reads 3 h 45 min
